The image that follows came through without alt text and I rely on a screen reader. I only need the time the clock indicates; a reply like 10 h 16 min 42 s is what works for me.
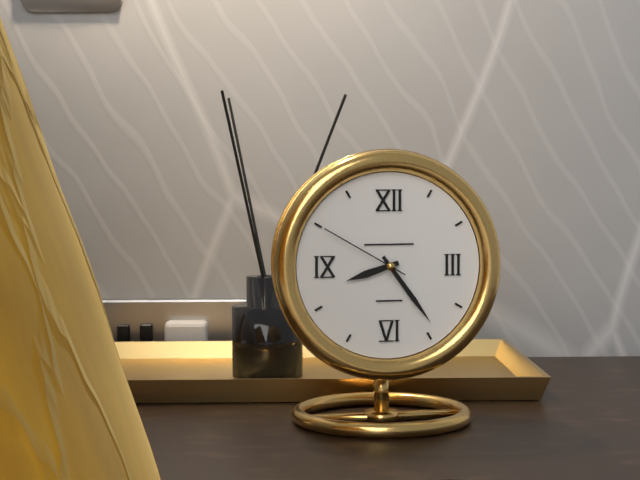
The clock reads 8 h 24 min 50 s
